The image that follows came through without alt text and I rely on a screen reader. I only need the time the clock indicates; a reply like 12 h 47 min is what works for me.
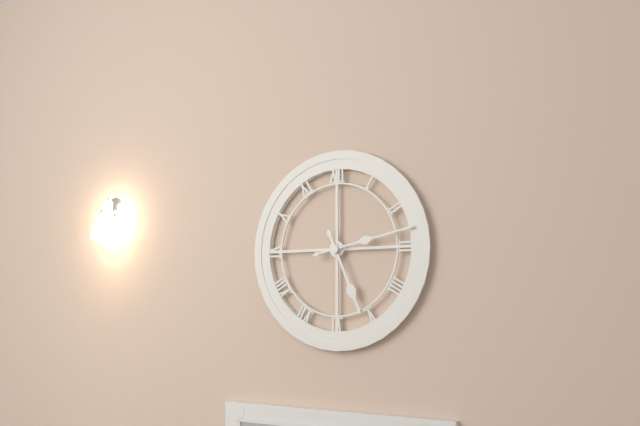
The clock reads 5 h 13 min
